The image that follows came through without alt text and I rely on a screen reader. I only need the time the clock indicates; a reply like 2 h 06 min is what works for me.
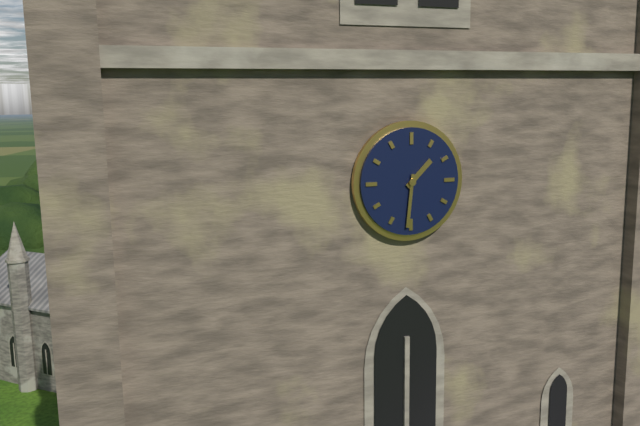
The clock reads 1 h 31 min
